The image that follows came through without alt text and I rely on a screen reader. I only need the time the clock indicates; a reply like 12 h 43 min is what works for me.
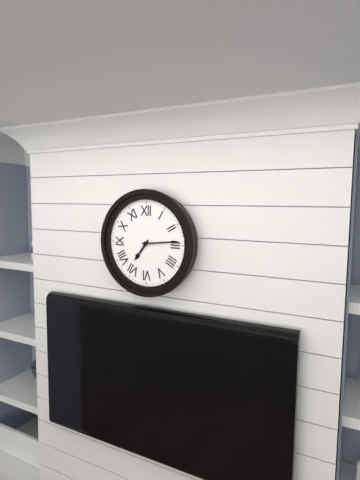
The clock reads 7 h 14 min
